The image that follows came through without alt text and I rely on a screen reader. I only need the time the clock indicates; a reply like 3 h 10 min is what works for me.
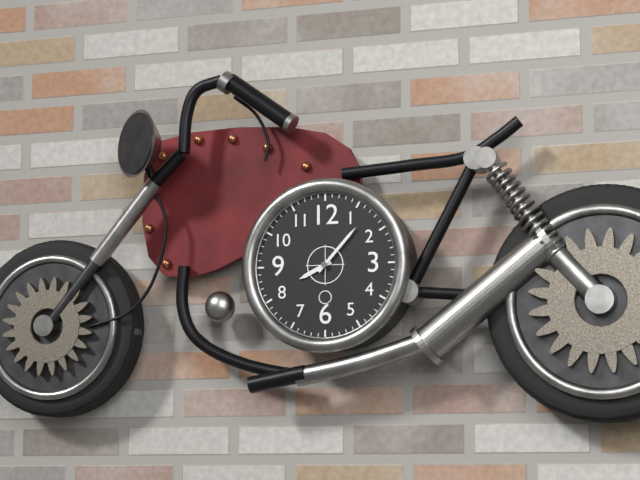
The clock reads 8 h 07 min
